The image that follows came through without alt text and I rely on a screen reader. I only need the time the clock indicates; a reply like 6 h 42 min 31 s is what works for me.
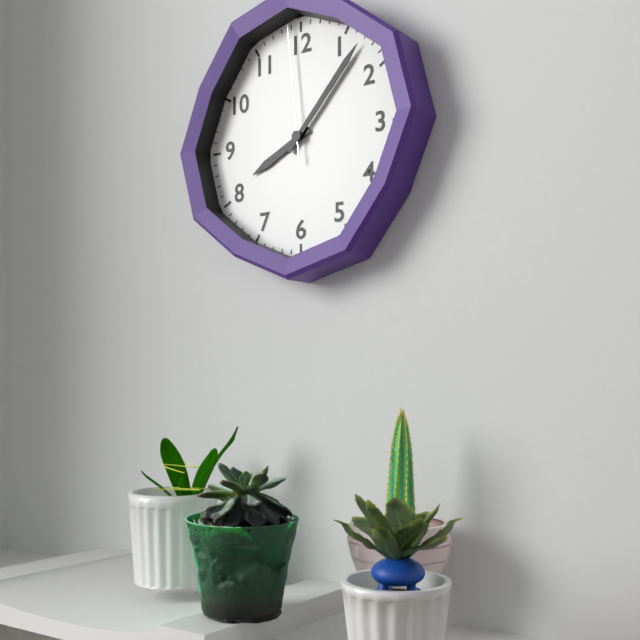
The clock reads 8 h 07 min 59 s
